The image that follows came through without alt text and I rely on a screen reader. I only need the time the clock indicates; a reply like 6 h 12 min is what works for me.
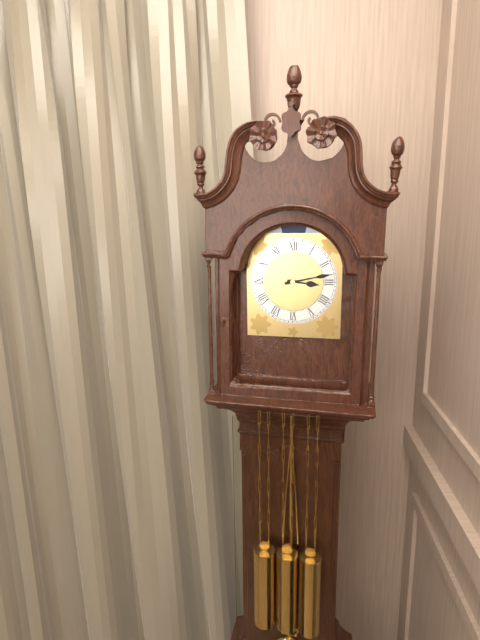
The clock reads 3 h 13 min
